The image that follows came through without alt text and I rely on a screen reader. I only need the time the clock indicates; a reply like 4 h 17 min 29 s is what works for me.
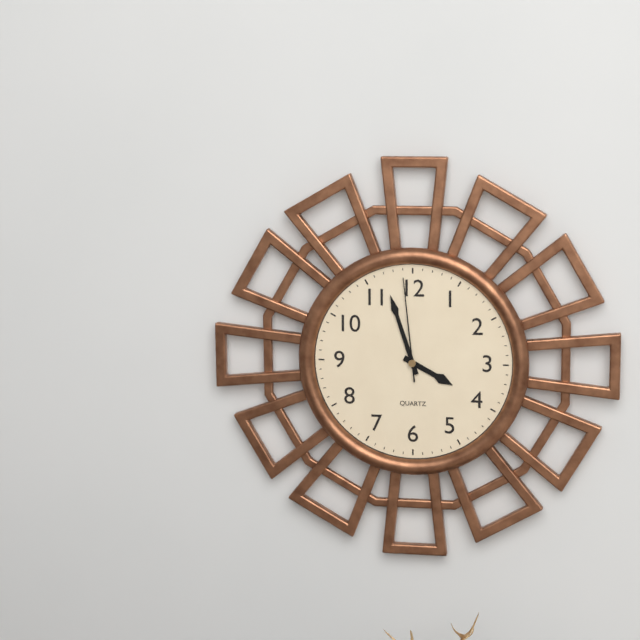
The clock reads 3 h 57 min 59 s
